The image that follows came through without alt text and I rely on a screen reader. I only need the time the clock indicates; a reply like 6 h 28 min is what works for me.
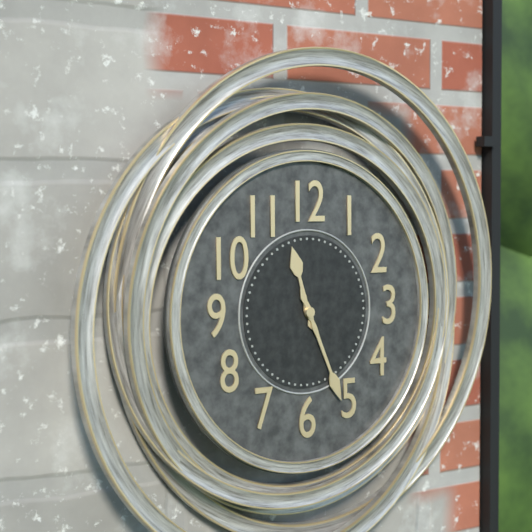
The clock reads 11 h 26 min
